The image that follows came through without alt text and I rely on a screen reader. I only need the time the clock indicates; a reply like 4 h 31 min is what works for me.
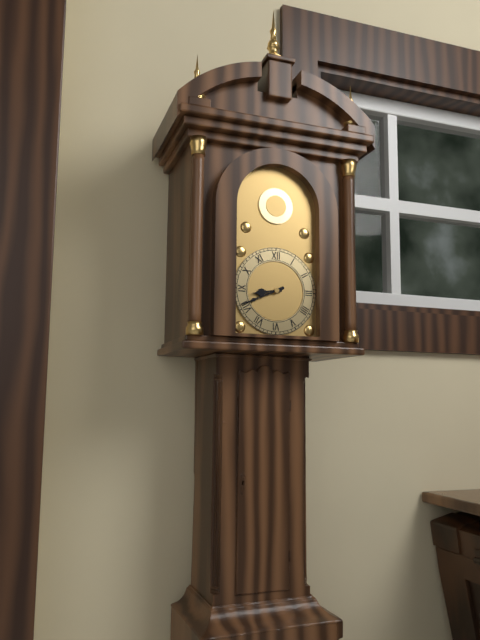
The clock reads 8 h 41 min
